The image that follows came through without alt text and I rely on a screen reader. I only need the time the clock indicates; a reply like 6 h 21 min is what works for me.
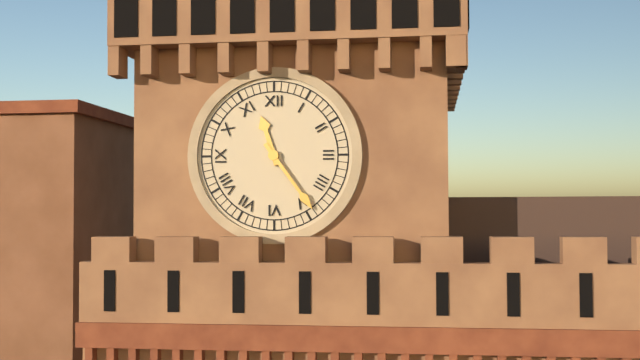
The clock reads 11 h 24 min
